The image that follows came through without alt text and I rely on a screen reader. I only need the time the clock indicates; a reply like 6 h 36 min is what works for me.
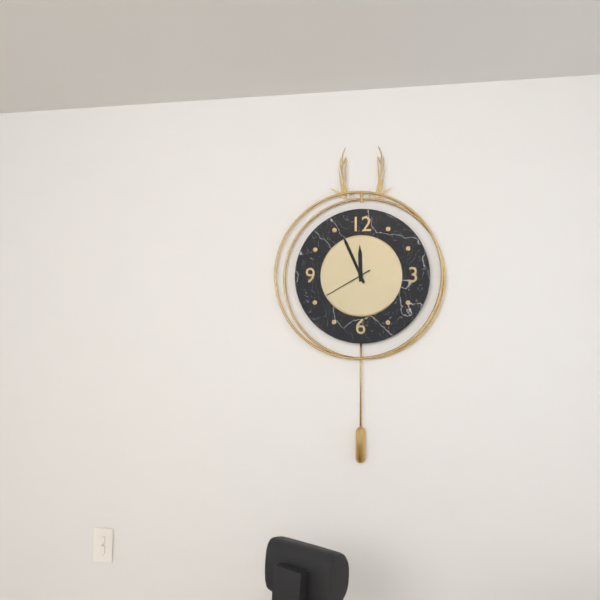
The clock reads 11 h 56 min
